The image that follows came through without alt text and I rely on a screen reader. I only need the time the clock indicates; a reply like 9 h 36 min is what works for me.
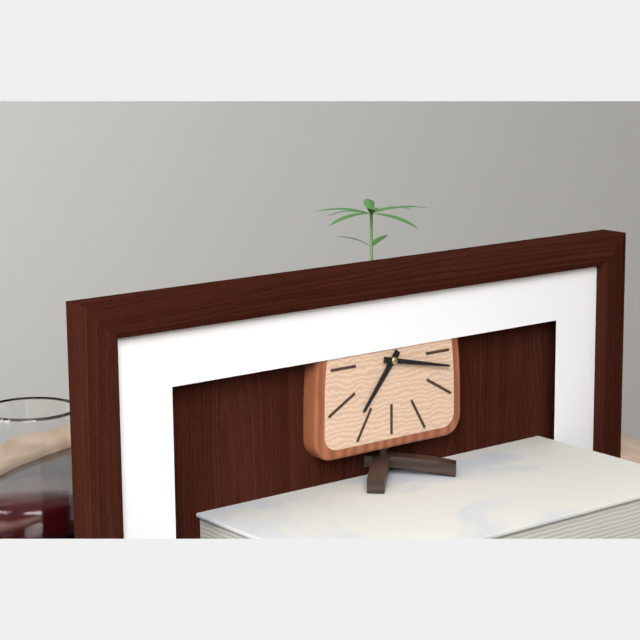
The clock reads 7 h 17 min
